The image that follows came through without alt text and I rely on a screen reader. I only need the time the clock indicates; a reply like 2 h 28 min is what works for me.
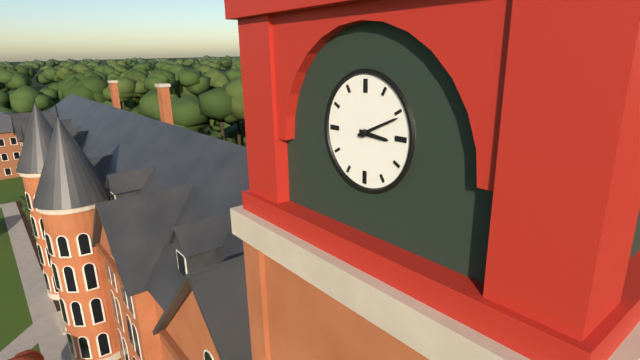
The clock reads 3 h 11 min
